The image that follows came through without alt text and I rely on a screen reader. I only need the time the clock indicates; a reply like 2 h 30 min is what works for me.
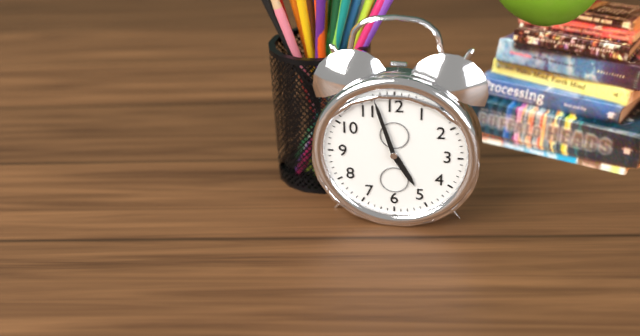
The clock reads 4 h 57 min
